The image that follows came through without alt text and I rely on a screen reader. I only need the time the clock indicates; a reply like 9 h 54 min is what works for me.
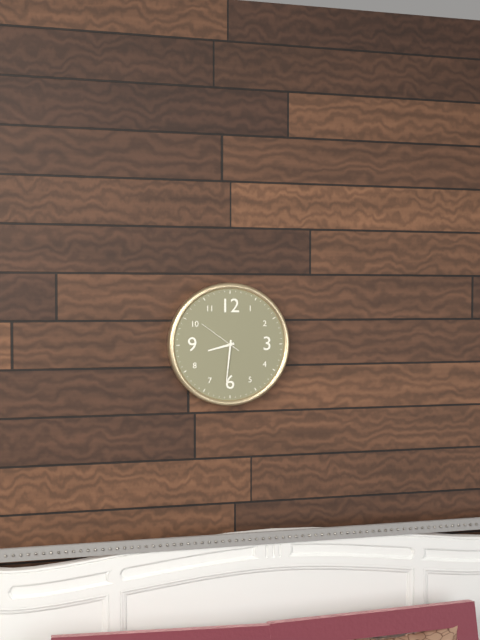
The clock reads 8 h 31 min
